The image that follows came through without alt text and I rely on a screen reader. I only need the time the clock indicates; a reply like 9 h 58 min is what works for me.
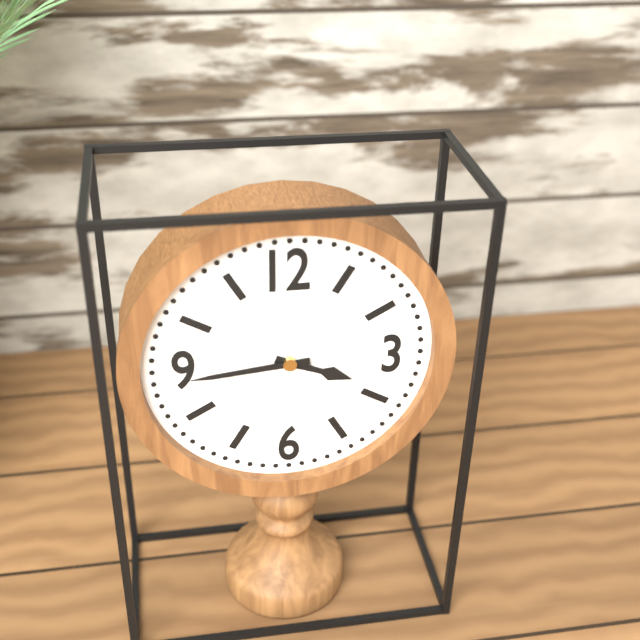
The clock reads 3 h 44 min
